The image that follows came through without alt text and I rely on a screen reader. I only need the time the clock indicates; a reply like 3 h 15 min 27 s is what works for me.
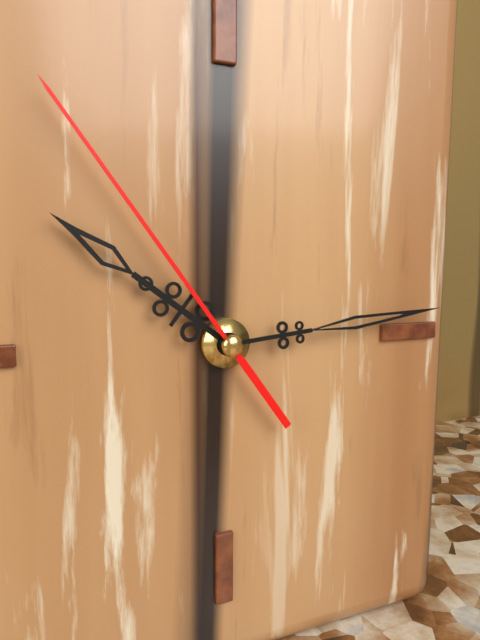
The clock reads 10 h 14 min 54 s
